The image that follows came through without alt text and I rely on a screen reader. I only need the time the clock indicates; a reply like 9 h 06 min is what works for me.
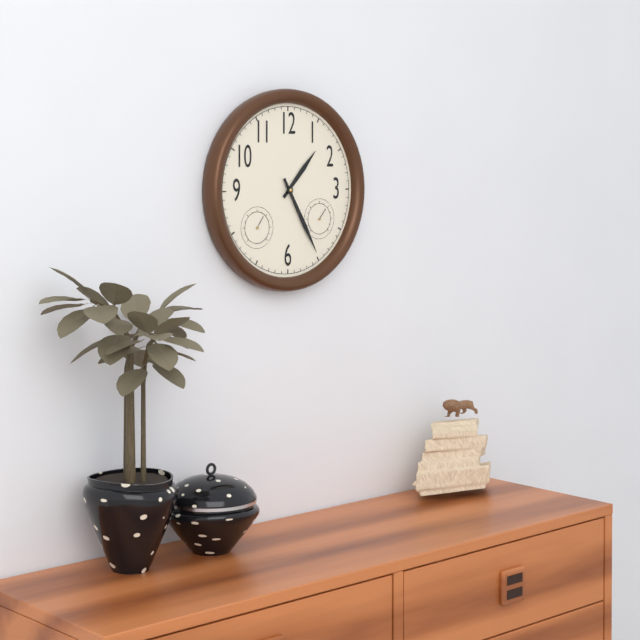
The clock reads 1 h 25 min
